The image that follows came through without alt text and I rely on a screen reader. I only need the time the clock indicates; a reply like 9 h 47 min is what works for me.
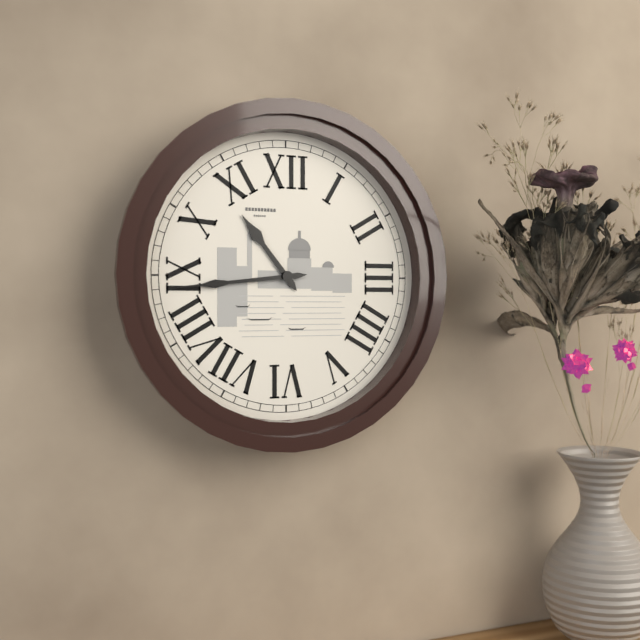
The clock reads 10 h 44 min
